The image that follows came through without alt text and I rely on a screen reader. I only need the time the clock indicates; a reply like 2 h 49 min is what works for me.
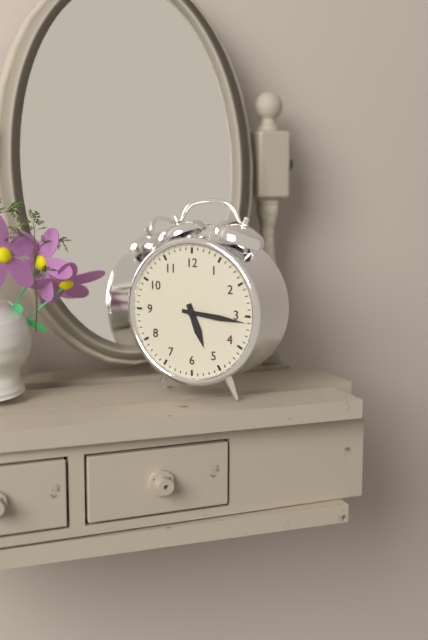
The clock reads 5 h 16 min
